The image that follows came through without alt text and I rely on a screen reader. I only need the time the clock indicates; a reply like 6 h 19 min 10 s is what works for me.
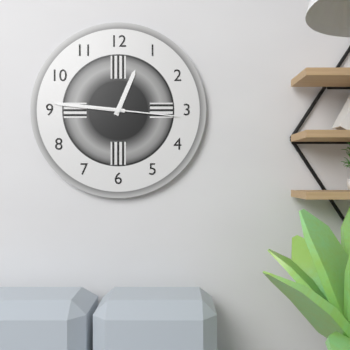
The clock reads 12 h 46 min 16 s
